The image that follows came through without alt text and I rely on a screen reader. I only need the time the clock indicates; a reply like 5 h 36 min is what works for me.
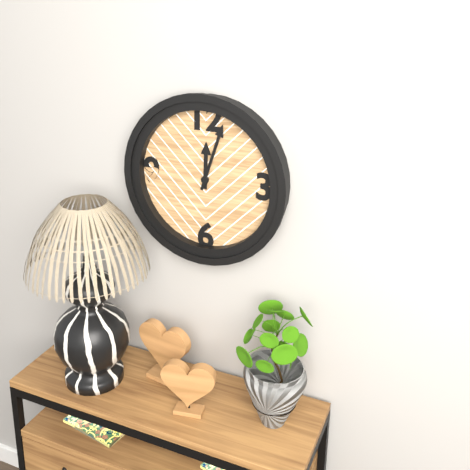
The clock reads 12 h 03 min
